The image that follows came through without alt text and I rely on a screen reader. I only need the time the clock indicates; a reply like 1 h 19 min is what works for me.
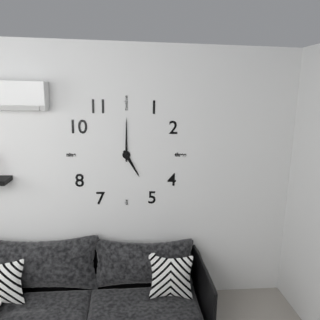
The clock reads 5 h 00 min
